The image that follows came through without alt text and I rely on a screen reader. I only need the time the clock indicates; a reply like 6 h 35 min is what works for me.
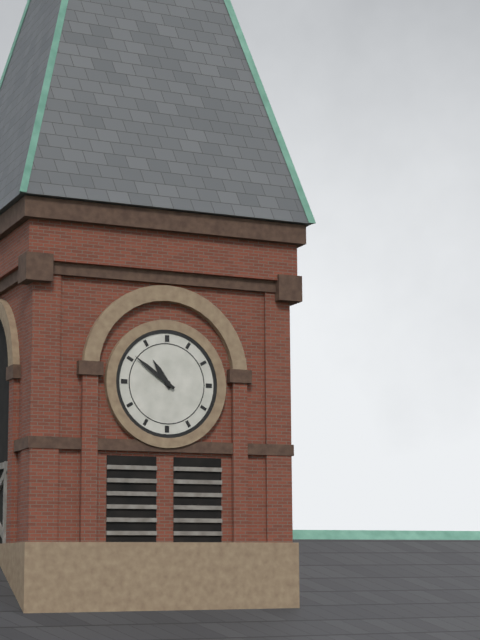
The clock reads 10 h 51 min
